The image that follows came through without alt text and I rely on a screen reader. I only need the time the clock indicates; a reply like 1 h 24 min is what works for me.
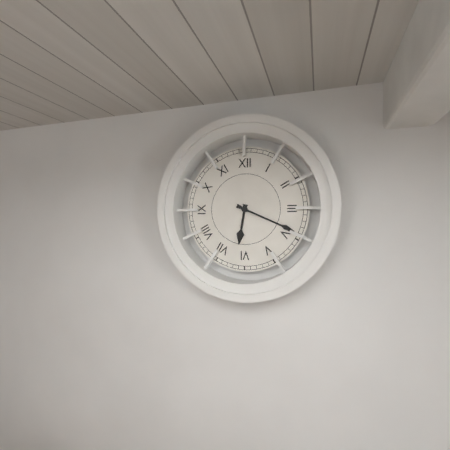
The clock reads 6 h 19 min
